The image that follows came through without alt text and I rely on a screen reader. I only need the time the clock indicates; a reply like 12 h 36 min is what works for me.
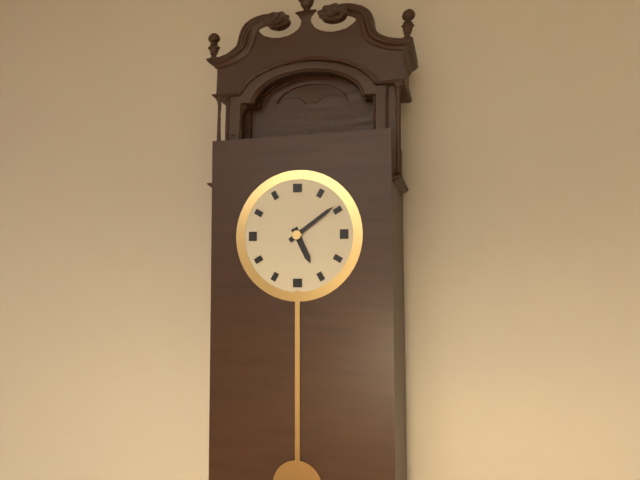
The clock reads 5 h 09 min
